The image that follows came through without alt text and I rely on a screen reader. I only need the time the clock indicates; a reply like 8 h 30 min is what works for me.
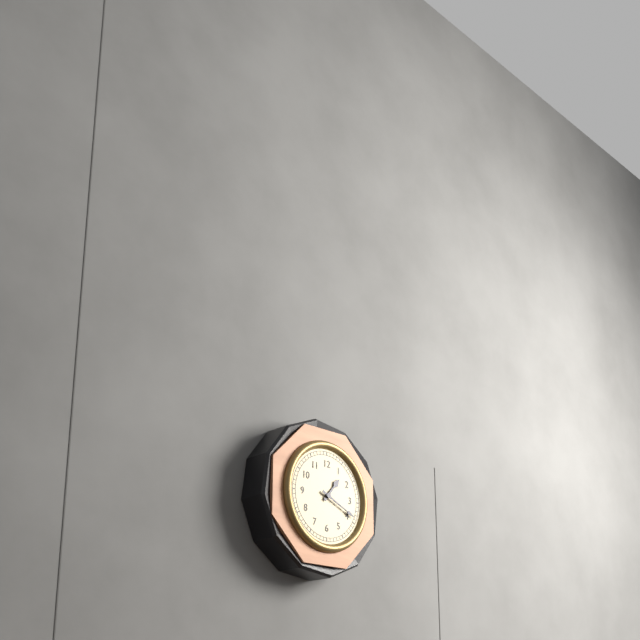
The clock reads 1 h 19 min
